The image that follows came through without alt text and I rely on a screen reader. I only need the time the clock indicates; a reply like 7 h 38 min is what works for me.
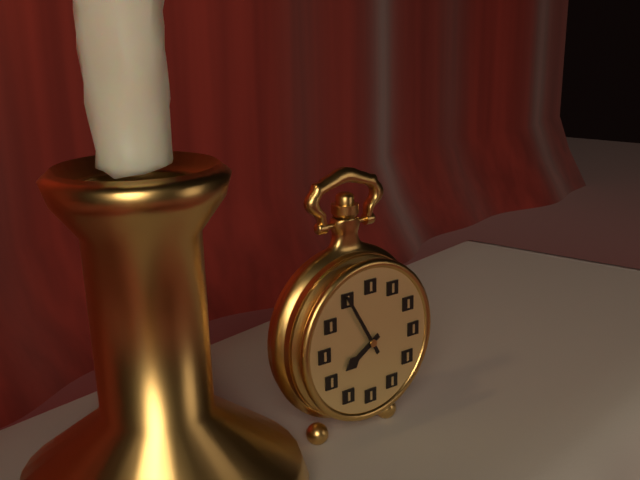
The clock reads 7 h 55 min
